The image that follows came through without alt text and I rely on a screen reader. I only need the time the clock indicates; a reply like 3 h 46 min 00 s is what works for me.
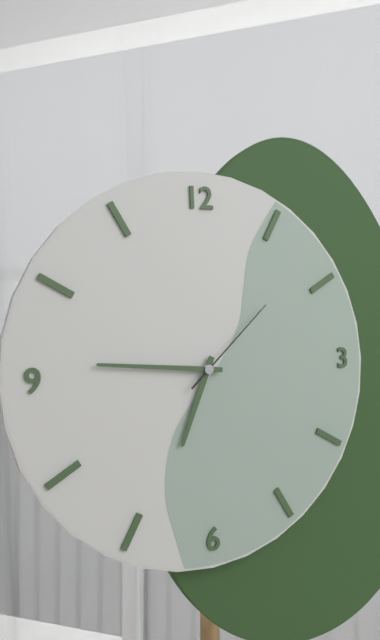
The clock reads 6 h 46 min 08 s
